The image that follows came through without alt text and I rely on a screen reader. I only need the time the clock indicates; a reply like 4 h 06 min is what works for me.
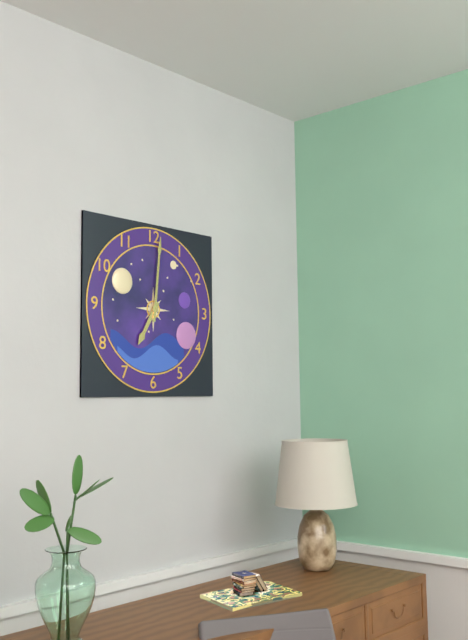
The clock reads 7 h 01 min
